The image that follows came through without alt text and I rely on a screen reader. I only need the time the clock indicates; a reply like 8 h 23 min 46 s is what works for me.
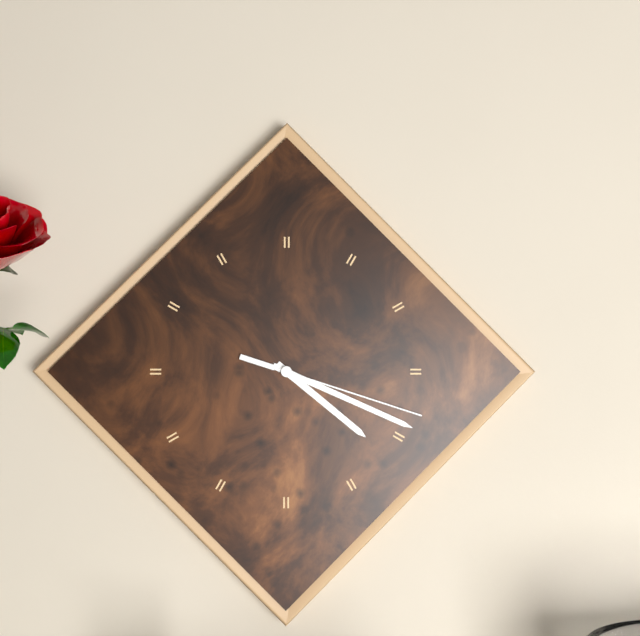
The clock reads 4 h 19 min 18 s
